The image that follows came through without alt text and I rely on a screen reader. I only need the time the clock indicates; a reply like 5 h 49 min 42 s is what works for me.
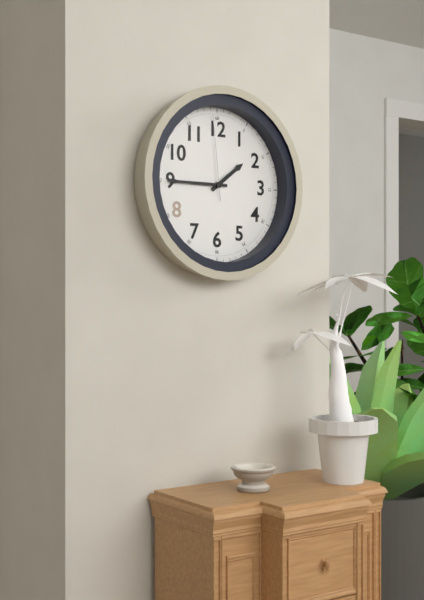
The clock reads 1 h 45 min 59 s
